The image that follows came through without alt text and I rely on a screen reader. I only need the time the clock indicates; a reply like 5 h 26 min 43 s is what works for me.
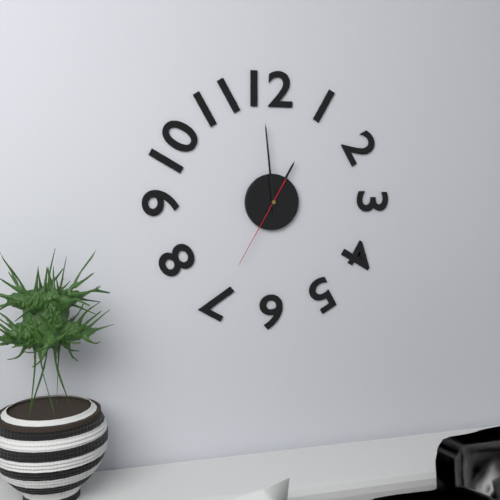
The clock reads 12 h 59 min 35 s
